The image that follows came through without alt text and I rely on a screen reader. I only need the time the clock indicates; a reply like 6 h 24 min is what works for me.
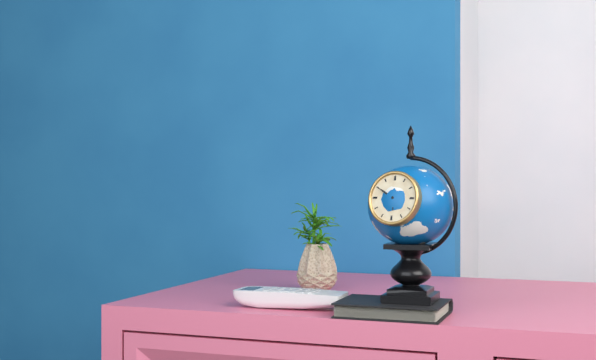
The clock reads 5 h 50 min
